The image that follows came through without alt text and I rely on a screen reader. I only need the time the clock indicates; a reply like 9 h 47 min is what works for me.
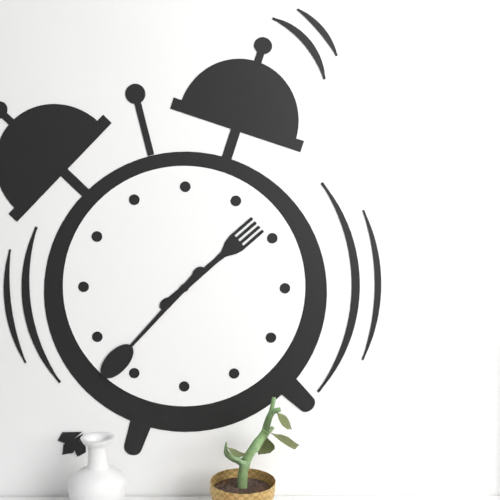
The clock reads 1 h 37 min
